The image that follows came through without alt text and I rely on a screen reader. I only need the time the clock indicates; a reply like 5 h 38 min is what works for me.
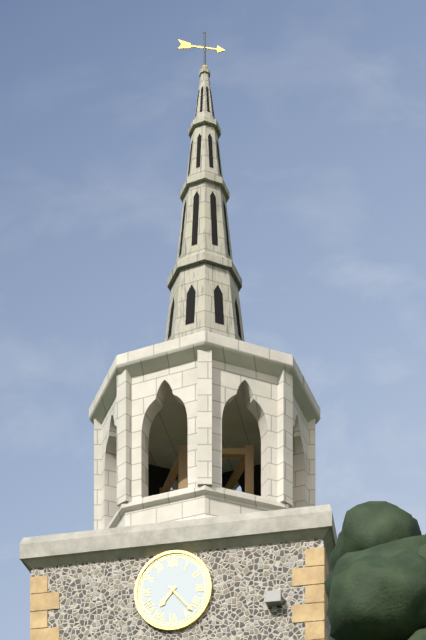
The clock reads 7 h 23 min
